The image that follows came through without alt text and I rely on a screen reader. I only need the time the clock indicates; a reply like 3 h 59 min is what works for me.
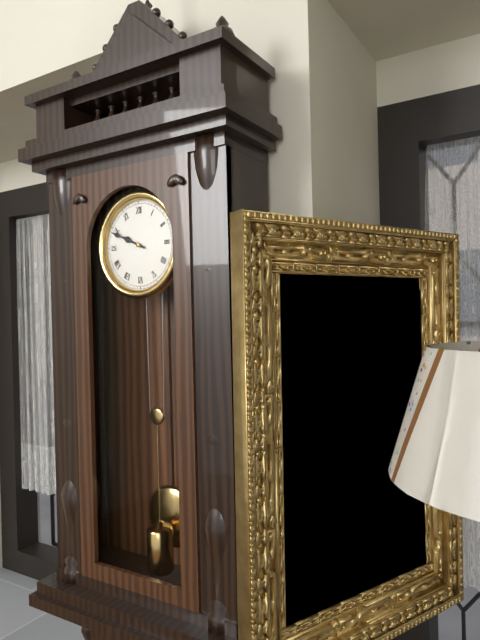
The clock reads 9 h 49 min
